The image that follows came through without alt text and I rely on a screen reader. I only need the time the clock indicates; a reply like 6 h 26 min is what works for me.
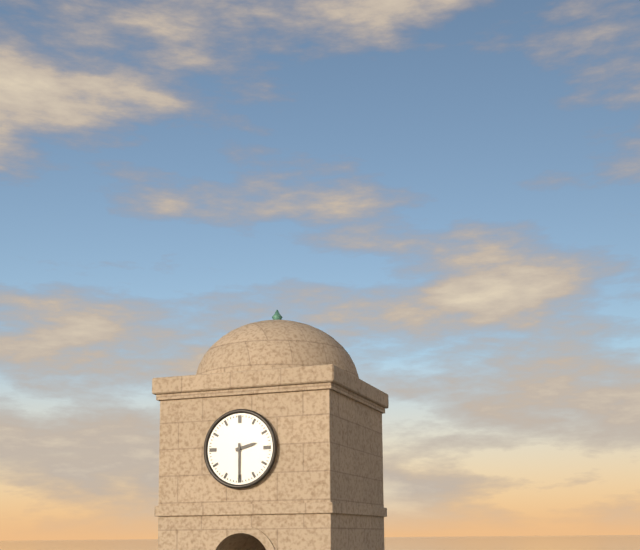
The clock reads 2 h 30 min
